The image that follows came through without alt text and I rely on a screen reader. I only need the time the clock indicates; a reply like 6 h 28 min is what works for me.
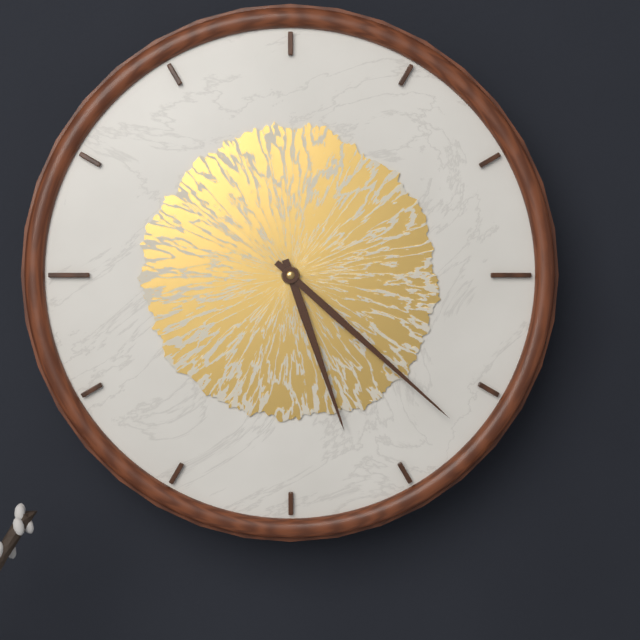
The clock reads 5 h 22 min
